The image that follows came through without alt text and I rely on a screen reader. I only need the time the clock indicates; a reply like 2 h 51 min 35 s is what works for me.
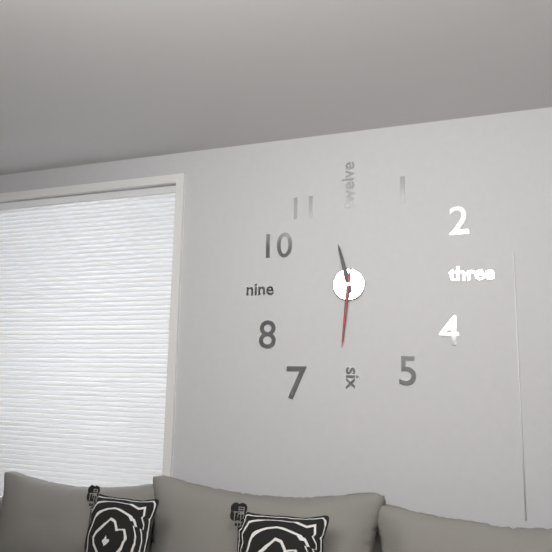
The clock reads 11 h 31 min 31 s
